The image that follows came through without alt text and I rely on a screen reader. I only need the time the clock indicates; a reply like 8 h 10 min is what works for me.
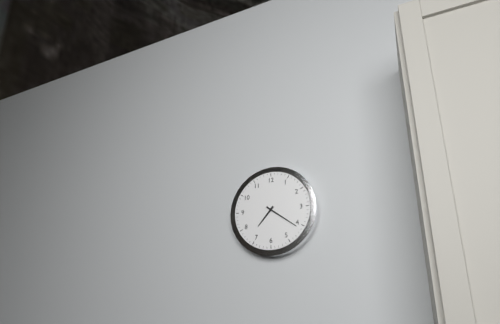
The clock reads 7 h 21 min
